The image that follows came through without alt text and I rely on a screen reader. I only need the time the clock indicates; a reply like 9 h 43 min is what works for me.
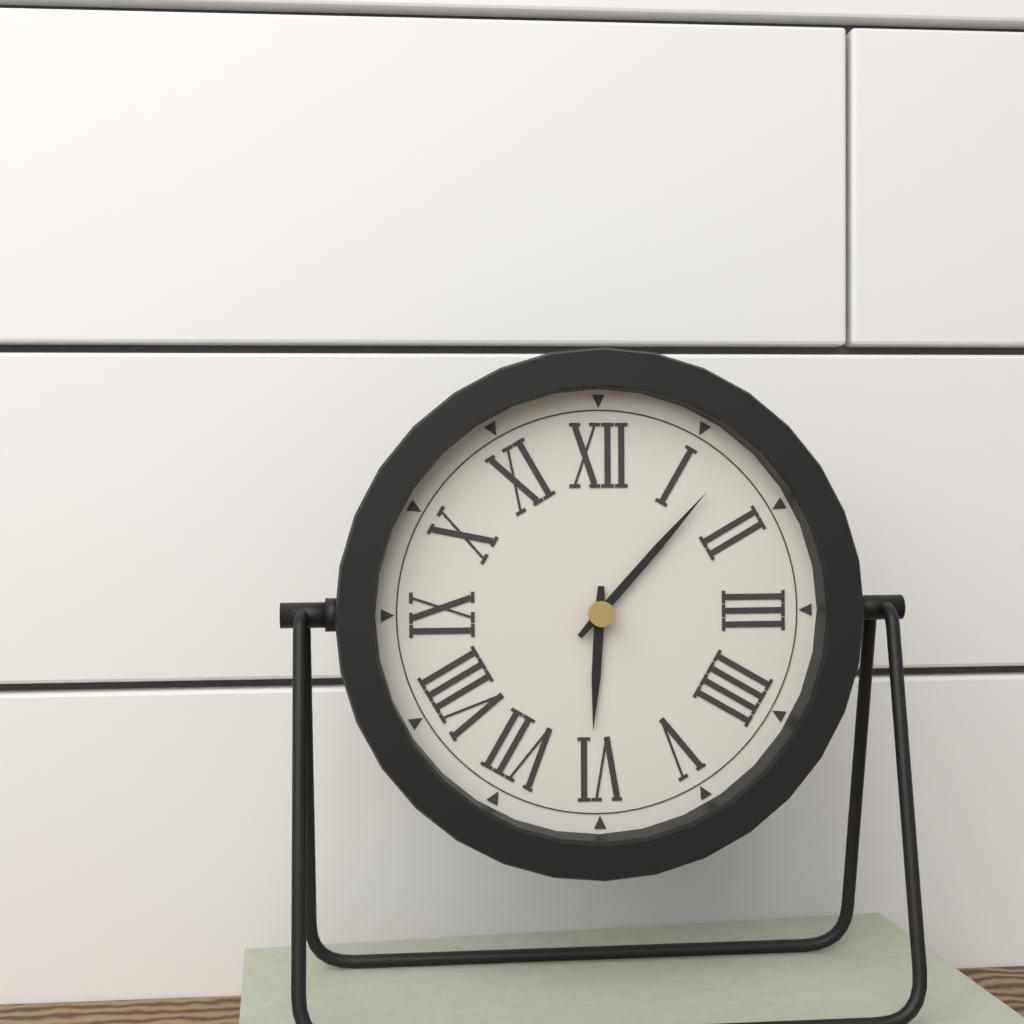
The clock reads 6 h 07 min
